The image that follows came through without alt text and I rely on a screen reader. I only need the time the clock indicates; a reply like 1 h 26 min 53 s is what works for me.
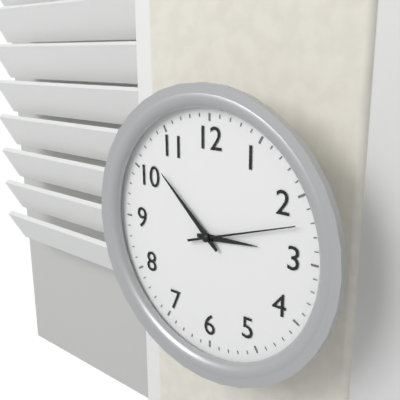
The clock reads 2 h 52 min 12 s
